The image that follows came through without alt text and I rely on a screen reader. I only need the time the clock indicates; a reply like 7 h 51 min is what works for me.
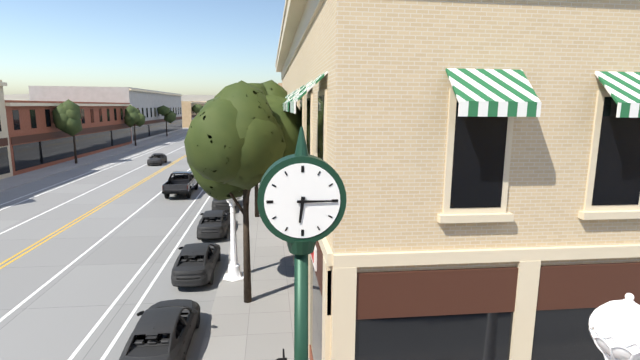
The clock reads 6 h 15 min
